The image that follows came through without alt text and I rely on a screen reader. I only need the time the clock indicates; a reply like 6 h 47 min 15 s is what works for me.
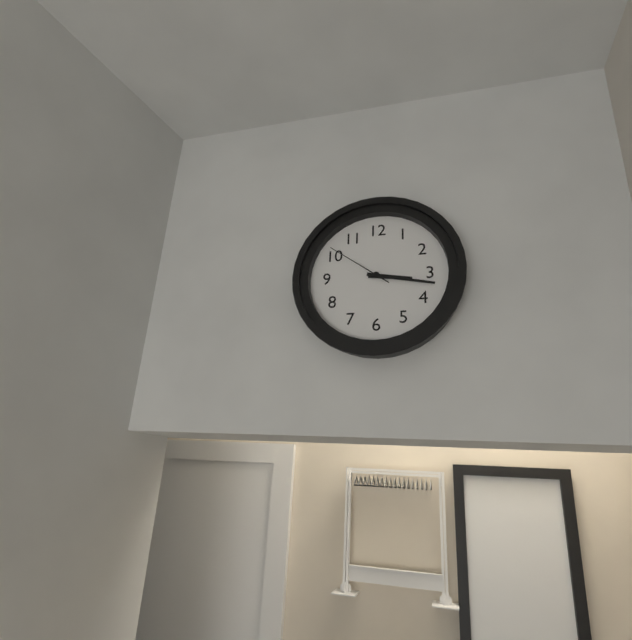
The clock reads 3 h 17 min 51 s
